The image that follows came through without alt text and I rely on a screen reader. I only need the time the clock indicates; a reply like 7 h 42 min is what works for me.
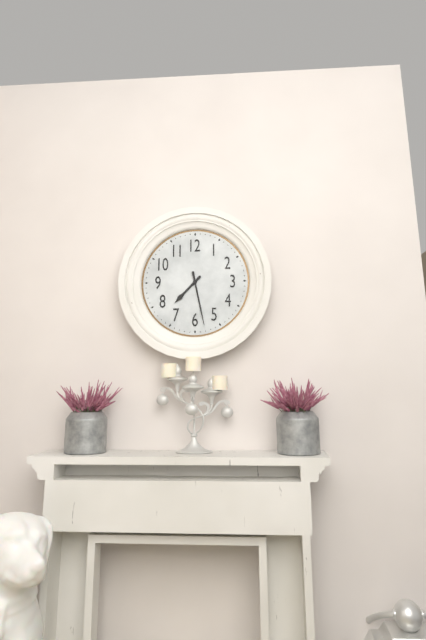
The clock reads 7 h 28 min
